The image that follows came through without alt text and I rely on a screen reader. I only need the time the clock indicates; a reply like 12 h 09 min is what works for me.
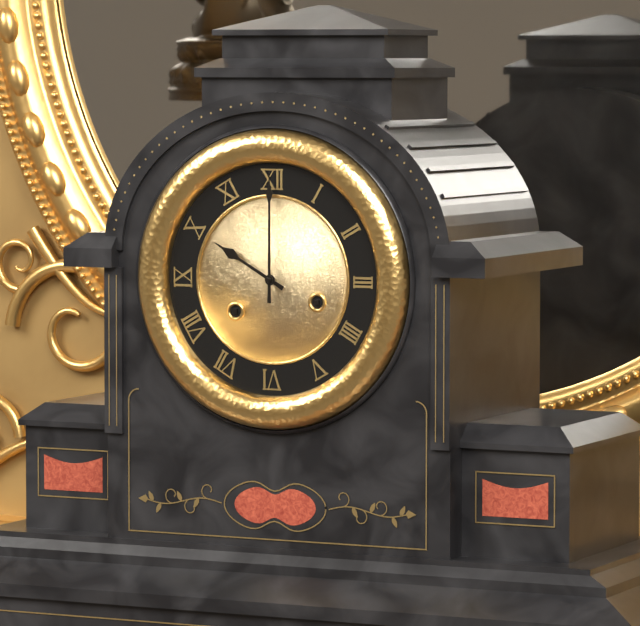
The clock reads 10 h 00 min
